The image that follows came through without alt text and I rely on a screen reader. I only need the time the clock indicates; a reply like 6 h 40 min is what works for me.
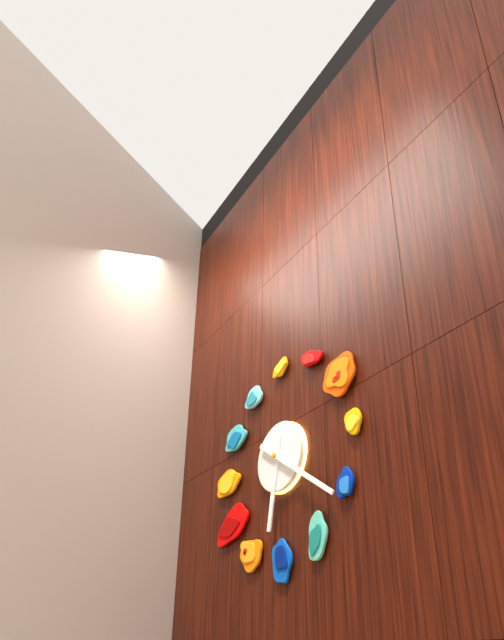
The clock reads 6 h 21 min
